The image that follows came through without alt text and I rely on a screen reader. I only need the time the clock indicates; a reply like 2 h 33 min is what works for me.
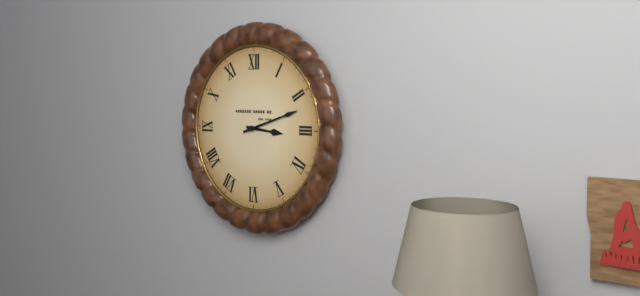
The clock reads 3 h 12 min
